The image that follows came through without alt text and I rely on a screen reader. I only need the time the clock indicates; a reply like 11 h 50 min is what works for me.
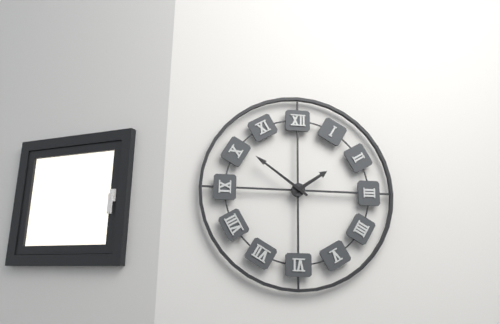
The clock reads 1 h 51 min
